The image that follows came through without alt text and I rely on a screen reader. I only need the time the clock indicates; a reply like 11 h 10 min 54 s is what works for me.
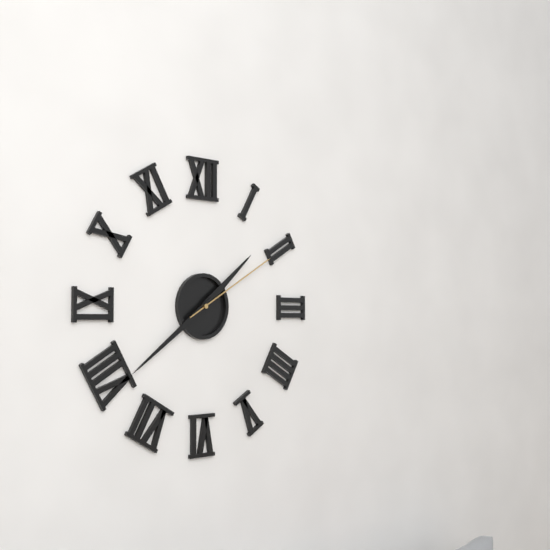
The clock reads 1 h 39 min 10 s
